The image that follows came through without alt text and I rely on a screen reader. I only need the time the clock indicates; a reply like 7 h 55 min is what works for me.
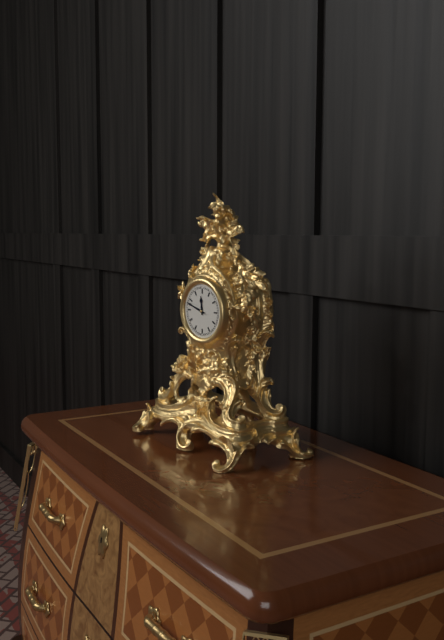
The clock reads 11 h 48 min
